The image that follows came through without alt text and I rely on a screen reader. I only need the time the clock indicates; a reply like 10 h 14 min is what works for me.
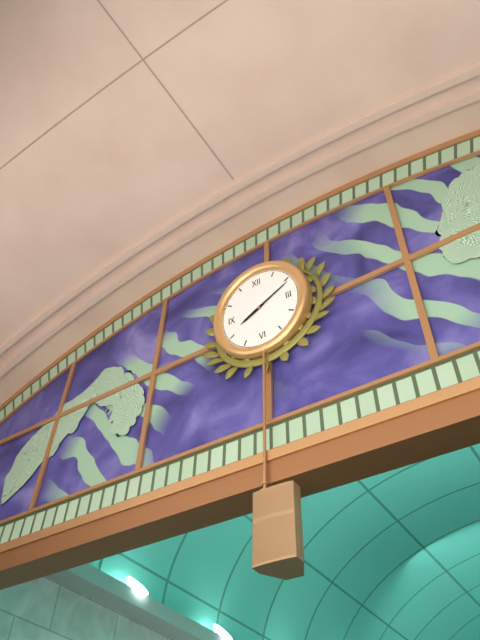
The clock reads 8 h 11 min
